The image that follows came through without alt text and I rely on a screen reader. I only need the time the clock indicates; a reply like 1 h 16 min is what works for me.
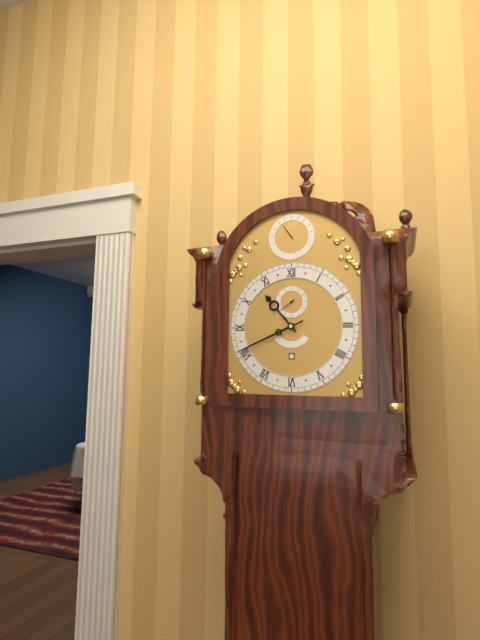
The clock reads 10 h 41 min
